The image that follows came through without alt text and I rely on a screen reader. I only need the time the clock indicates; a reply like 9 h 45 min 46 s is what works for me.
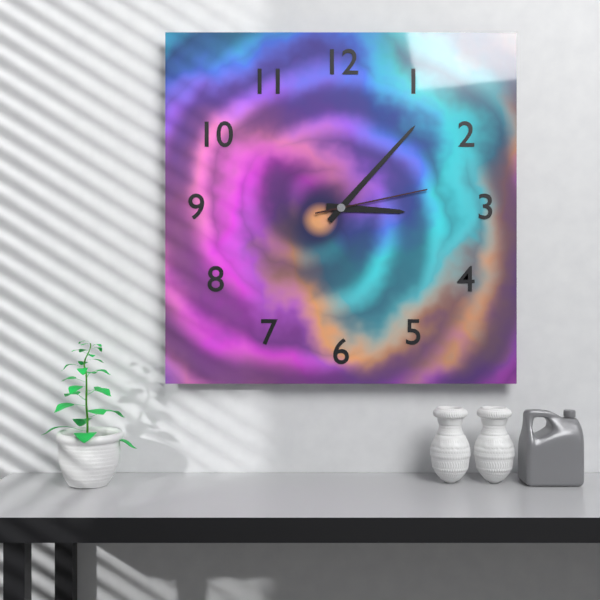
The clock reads 3 h 07 min 13 s
